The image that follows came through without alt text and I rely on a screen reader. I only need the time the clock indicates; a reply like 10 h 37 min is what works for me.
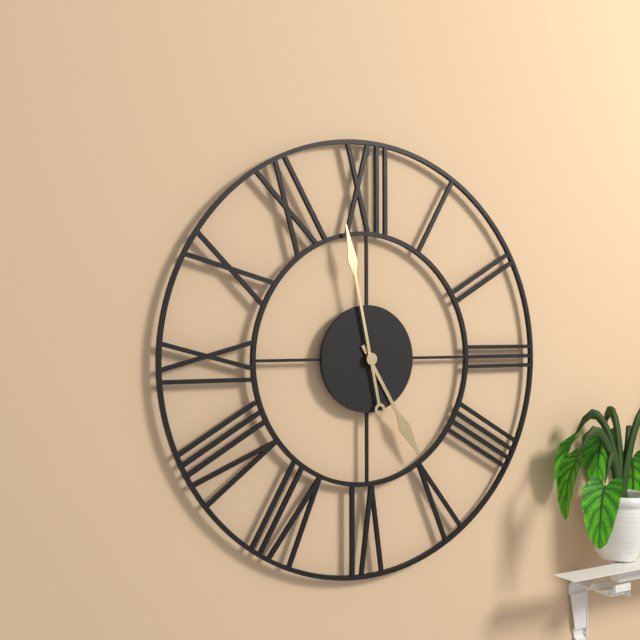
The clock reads 4 h 58 min
